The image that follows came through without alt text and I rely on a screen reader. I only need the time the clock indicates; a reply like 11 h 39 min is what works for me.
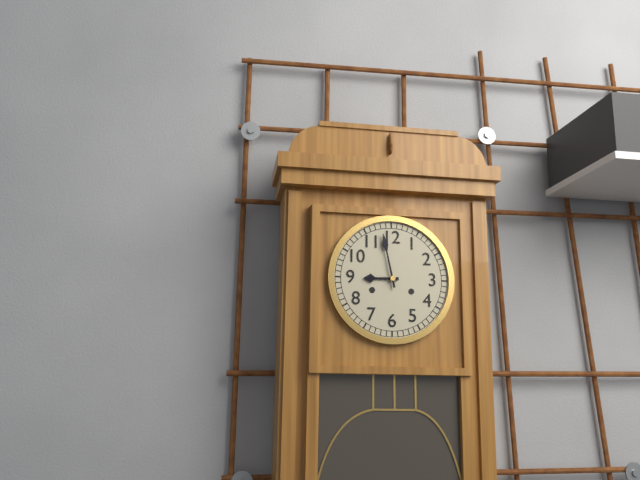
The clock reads 8 h 58 min
